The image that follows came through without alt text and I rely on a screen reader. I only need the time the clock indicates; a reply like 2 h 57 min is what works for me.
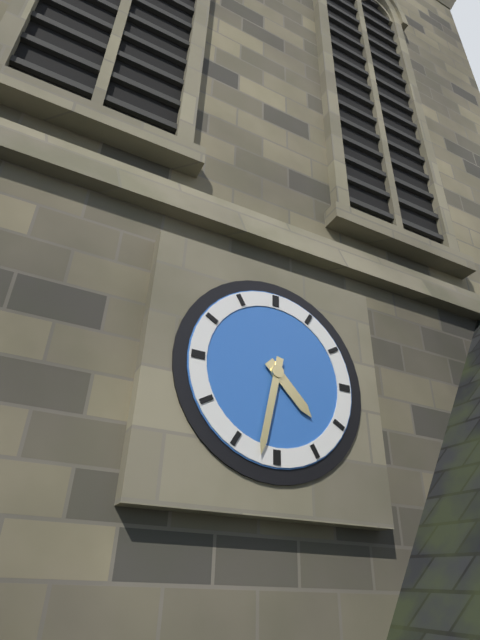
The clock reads 4 h 32 min
